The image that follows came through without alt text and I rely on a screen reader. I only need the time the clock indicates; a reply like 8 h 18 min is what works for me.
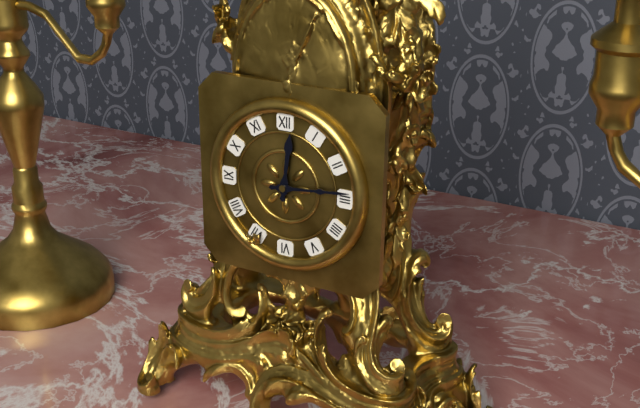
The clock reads 12 h 14 min
